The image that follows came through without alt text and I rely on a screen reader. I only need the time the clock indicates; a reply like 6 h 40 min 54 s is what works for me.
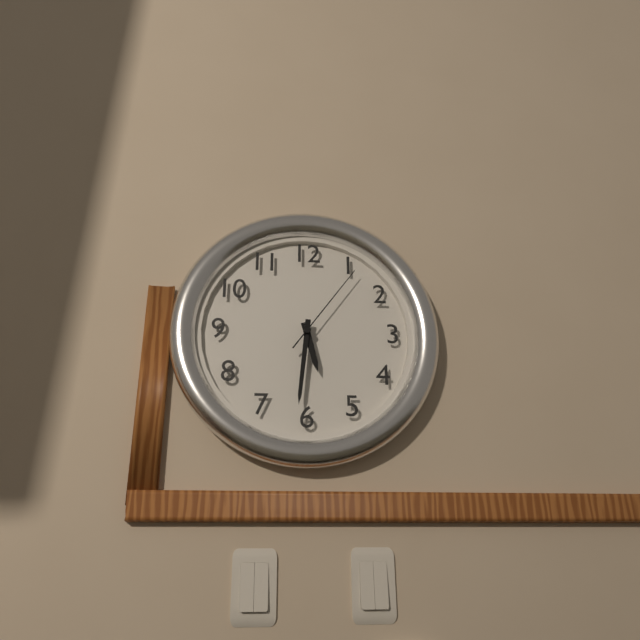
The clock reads 5 h 31 min 06 s
